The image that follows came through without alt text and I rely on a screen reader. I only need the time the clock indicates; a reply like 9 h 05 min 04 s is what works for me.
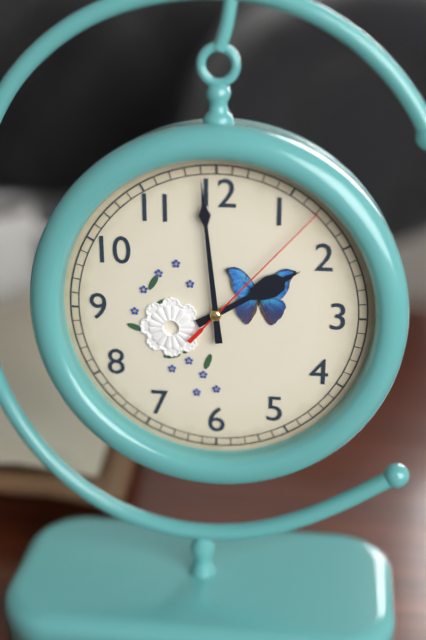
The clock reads 1 h 59 min 07 s
